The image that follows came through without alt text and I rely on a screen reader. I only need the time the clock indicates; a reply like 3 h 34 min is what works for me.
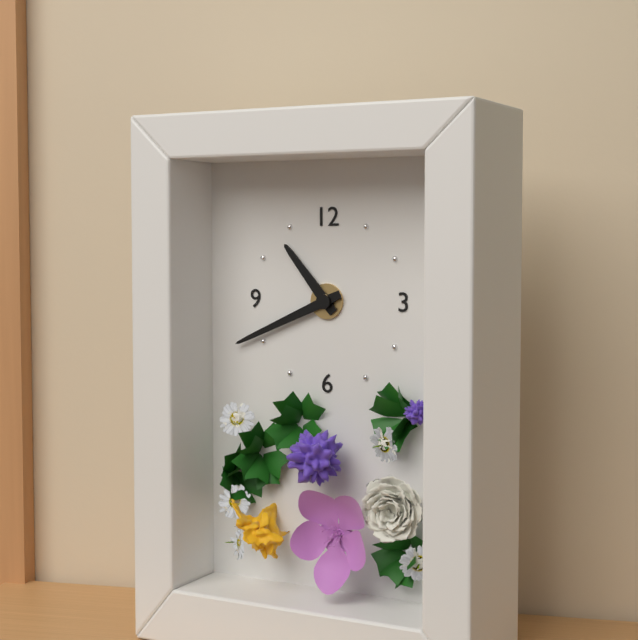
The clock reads 10 h 41 min
